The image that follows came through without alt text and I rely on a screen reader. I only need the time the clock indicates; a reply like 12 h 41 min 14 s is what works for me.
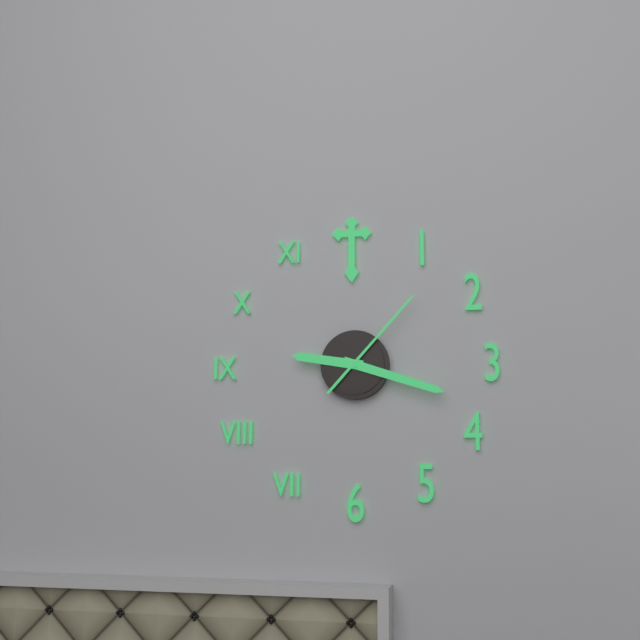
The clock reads 9 h 18 min 07 s
